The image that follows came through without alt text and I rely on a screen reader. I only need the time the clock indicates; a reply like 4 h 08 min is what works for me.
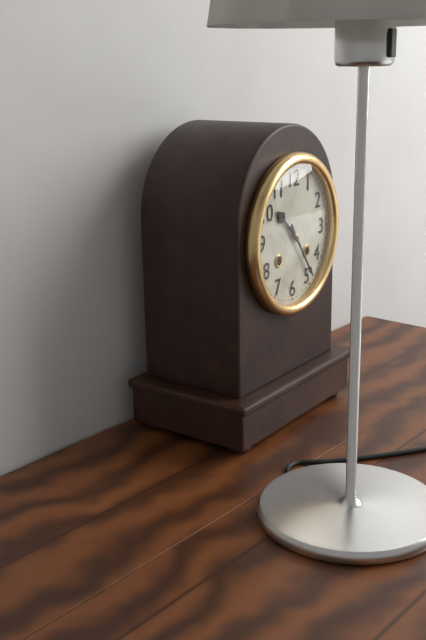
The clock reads 10 h 24 min
